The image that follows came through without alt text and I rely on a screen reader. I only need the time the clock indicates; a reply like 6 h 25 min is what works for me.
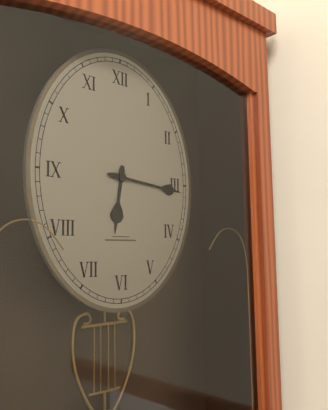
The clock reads 6 h 16 min
